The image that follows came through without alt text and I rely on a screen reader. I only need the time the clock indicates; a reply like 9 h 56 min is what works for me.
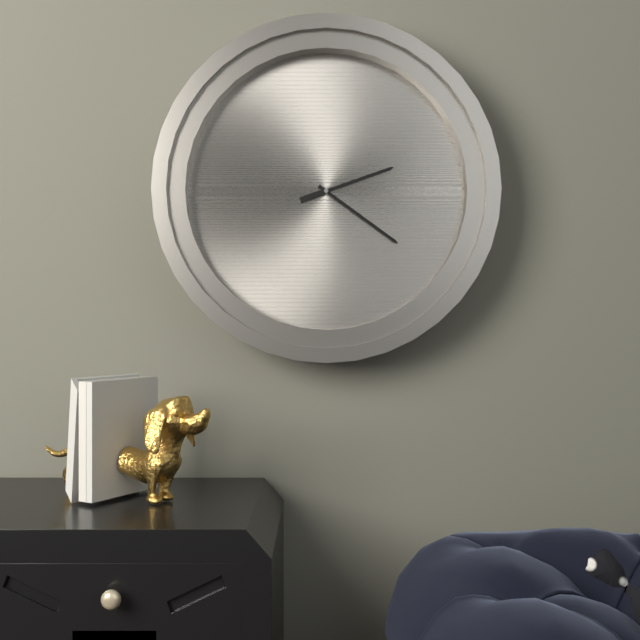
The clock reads 2 h 21 min
